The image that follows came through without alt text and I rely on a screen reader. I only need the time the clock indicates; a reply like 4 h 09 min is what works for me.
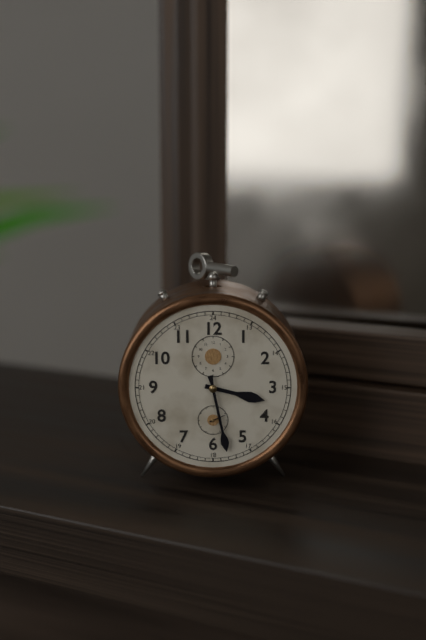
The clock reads 3 h 28 min
